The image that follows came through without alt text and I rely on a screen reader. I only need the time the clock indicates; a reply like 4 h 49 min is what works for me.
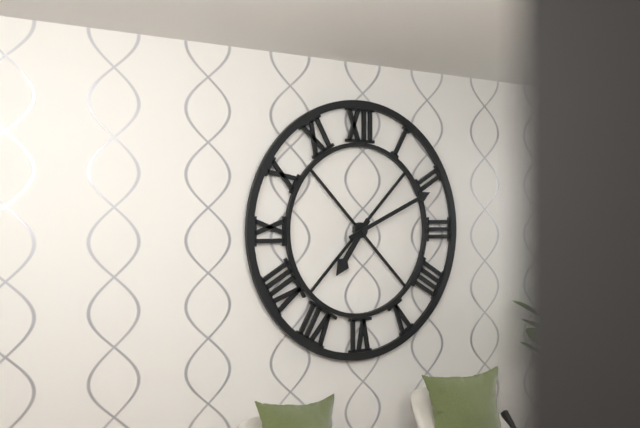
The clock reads 7 h 11 min
